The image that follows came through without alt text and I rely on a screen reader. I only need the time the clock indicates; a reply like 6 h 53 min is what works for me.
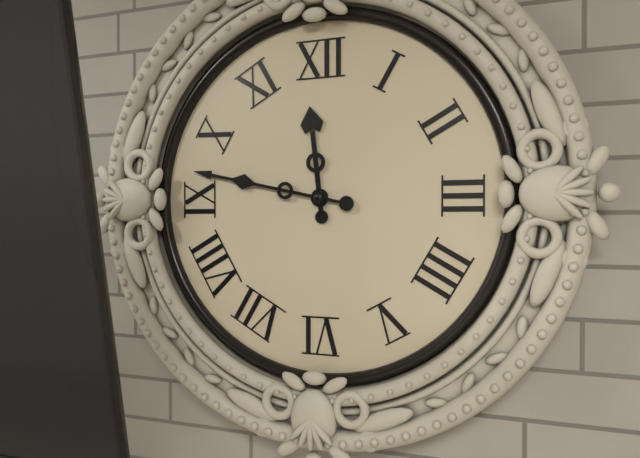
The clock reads 11 h 47 min
